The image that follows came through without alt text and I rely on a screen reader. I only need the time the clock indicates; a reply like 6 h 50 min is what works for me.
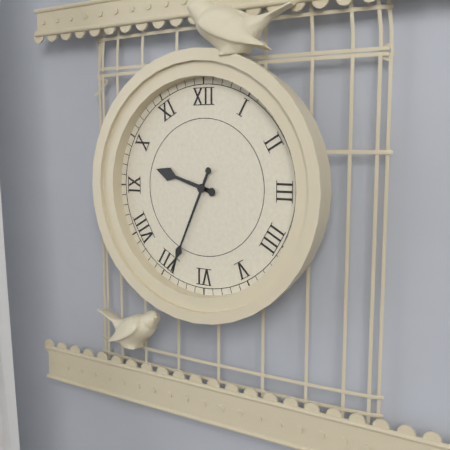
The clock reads 9 h 34 min
